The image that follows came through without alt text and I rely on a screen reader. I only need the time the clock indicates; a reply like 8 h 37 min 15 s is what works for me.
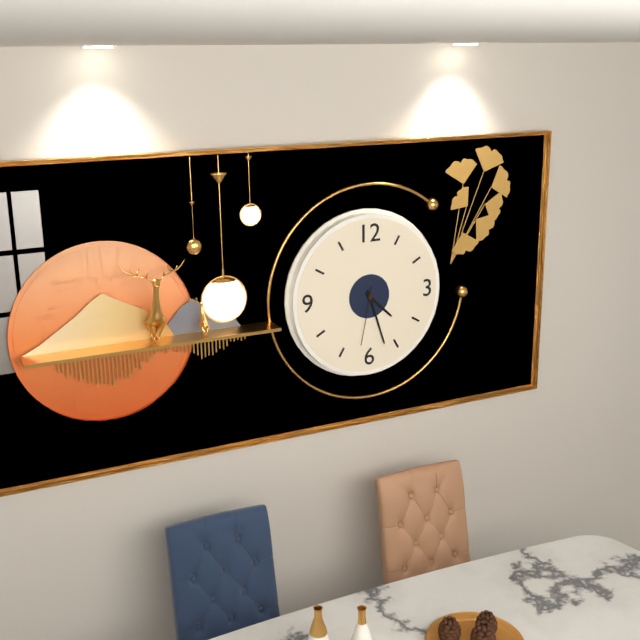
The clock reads 4 h 27 min 32 s
